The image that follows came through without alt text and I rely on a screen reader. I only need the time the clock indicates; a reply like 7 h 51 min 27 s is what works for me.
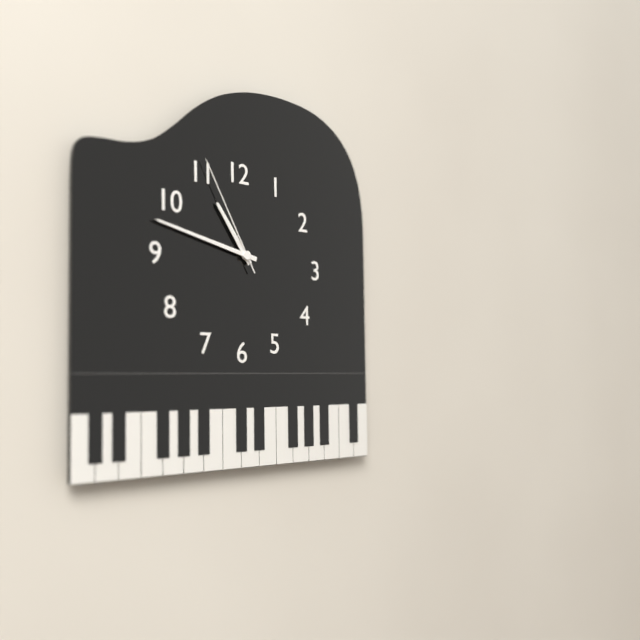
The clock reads 10 h 47 min 55 s
